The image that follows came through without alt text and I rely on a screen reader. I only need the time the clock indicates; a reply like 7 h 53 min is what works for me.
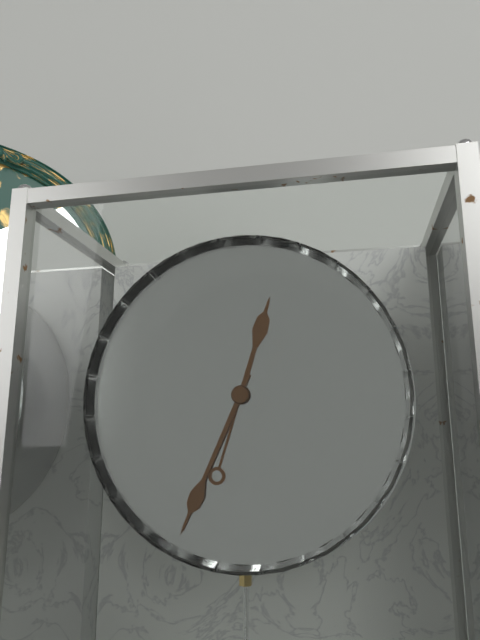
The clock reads 12 h 34 min
